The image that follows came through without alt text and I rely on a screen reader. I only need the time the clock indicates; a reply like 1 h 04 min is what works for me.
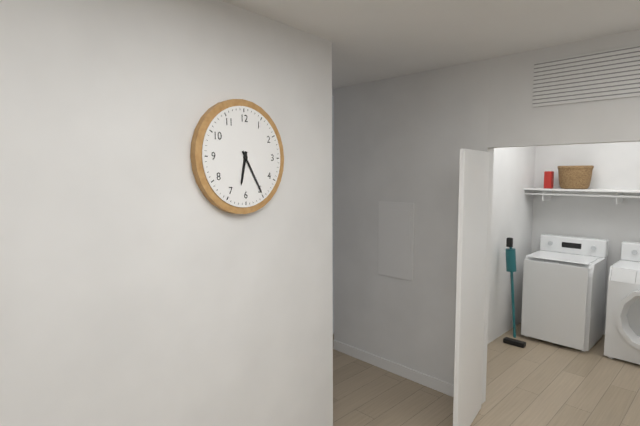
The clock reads 6 h 25 min
